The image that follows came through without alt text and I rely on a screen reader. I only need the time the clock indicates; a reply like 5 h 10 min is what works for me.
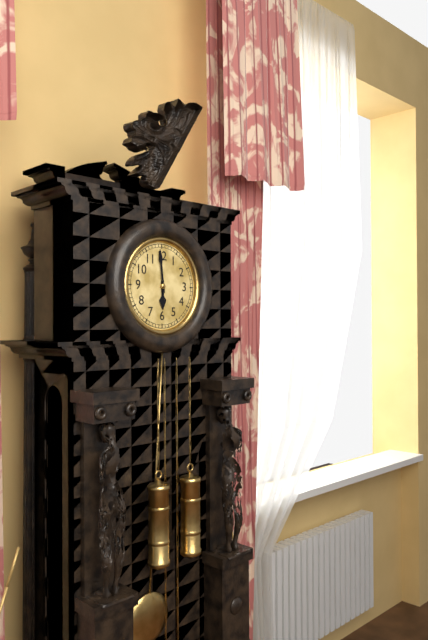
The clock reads 5 h 59 min
